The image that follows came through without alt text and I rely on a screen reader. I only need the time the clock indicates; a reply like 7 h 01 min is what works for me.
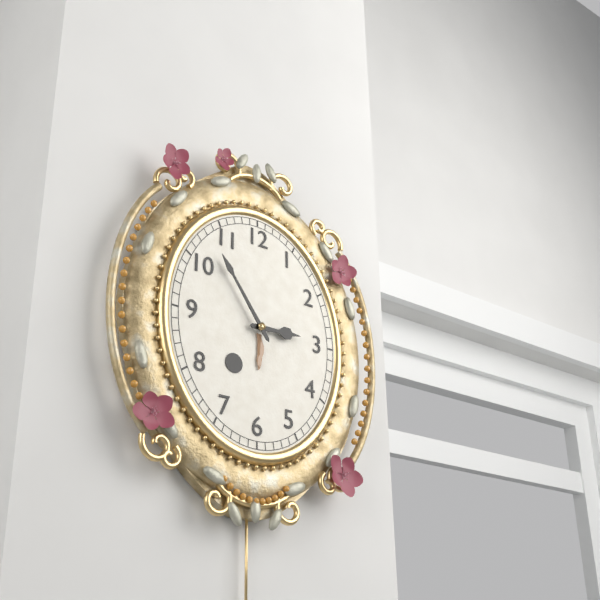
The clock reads 2 h 54 min
